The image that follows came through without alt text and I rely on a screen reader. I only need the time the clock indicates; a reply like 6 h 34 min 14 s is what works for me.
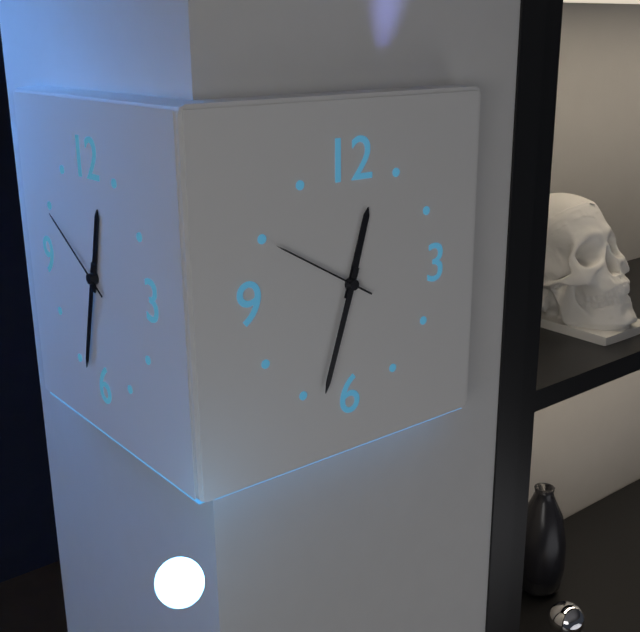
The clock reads 12 h 33 min 50 s
